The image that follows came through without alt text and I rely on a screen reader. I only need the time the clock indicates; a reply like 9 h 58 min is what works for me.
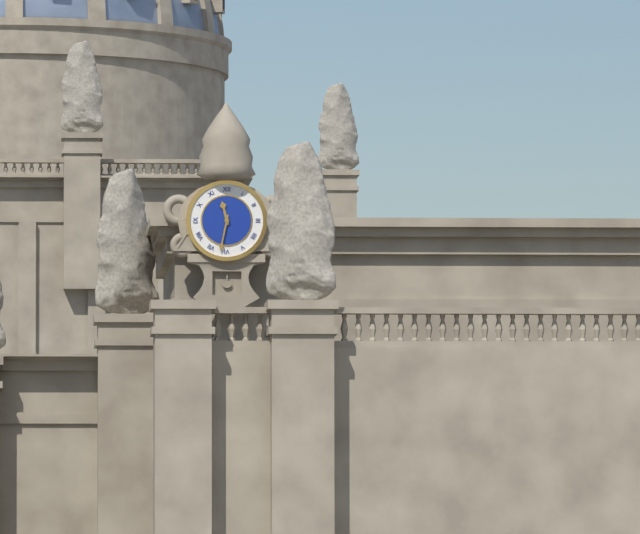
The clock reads 11 h 32 min
